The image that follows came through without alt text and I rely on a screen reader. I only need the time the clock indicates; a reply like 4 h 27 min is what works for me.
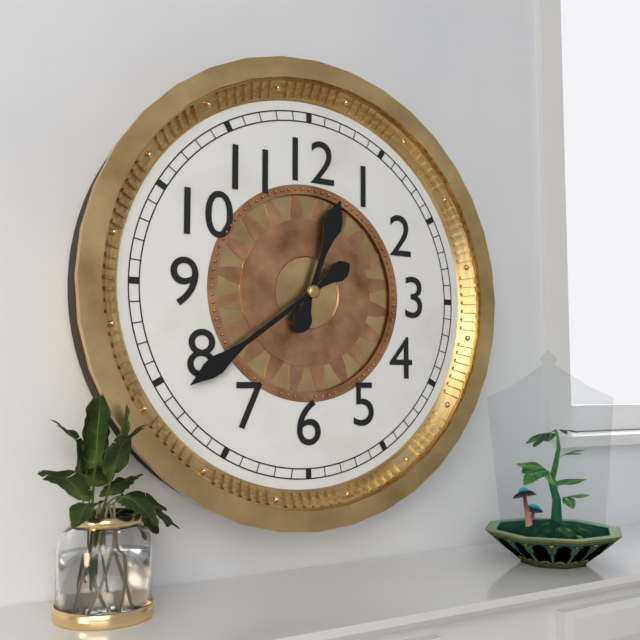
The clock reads 12 h 39 min
